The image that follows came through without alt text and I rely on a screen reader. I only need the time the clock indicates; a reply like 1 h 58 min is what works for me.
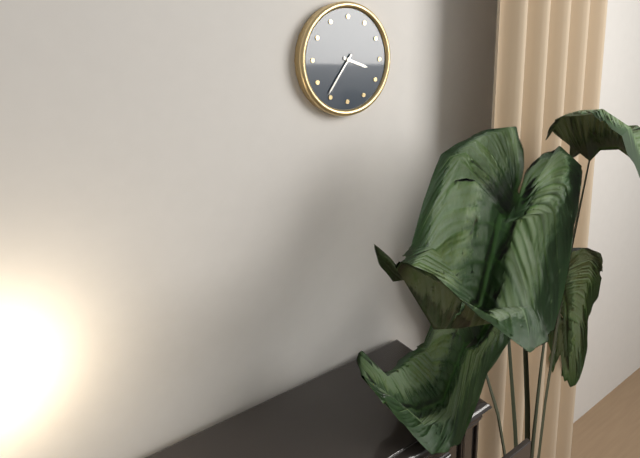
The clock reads 3 h 36 min
